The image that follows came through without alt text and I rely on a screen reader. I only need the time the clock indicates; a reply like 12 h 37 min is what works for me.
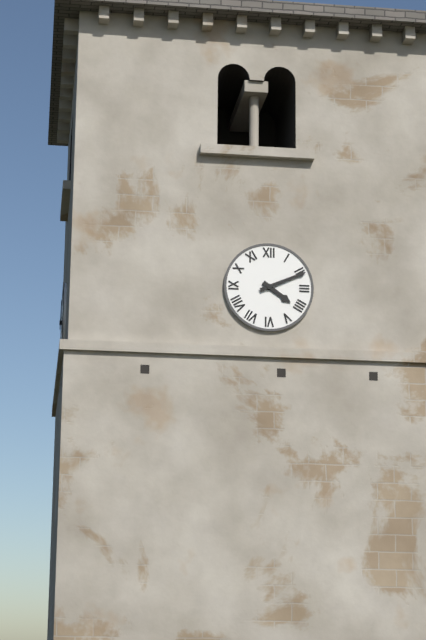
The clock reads 4 h 11 min
